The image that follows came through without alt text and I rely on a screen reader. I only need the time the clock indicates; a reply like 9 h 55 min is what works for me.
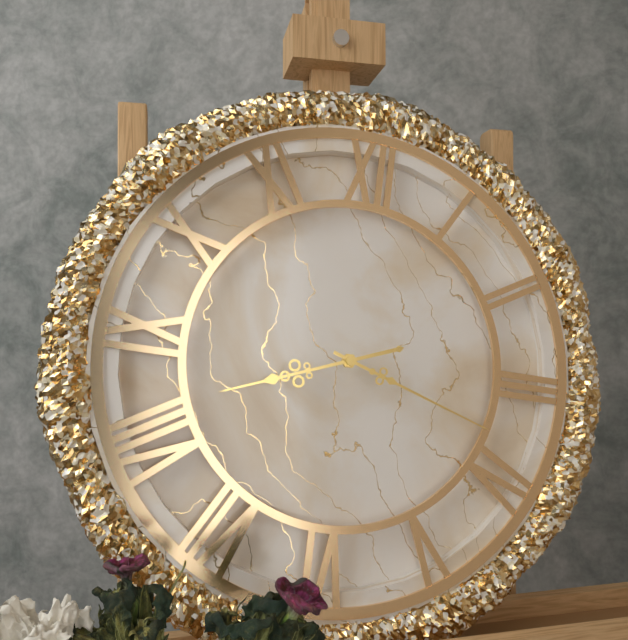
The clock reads 8 h 18 min
